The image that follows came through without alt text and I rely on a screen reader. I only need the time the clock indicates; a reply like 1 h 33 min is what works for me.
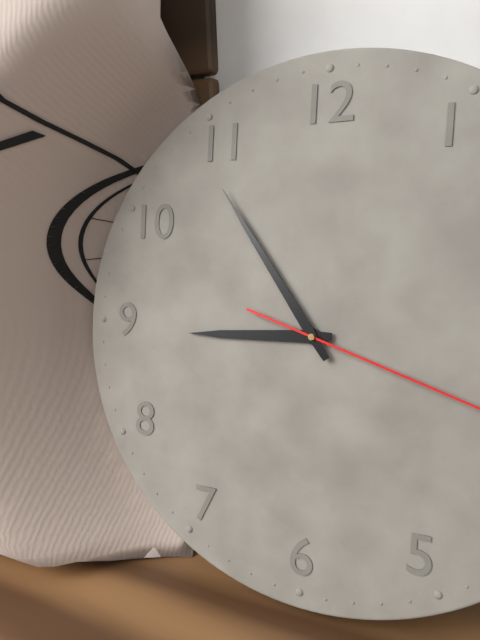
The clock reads 8 h 54 min
